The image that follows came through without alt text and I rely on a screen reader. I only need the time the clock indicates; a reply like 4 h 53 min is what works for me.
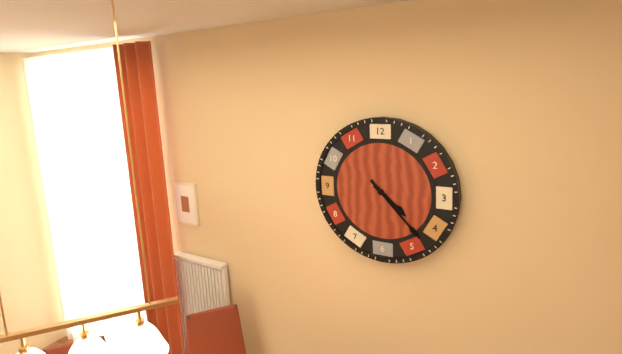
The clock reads 4 h 23 min
